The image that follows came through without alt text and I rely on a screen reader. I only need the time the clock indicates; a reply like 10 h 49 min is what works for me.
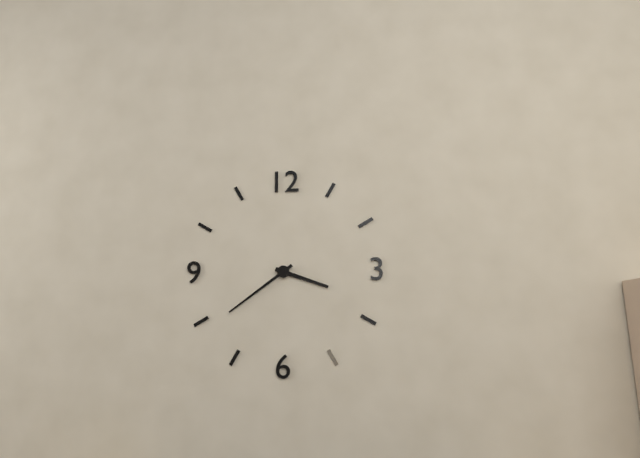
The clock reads 3 h 39 min
